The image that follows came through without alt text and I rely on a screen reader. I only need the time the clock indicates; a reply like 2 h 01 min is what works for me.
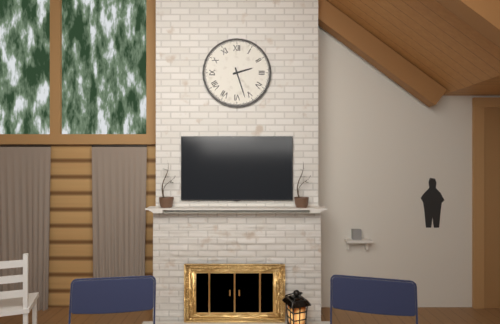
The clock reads 2 h 27 min
